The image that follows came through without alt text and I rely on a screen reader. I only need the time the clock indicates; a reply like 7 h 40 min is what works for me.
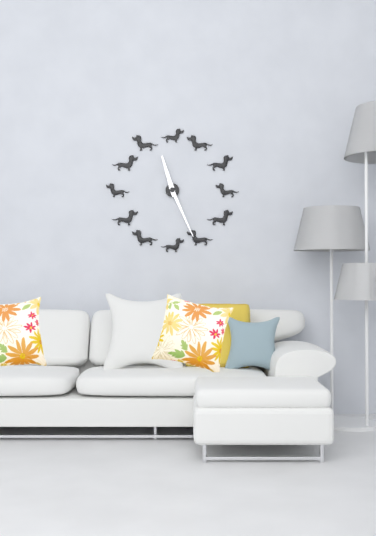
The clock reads 11 h 26 min
